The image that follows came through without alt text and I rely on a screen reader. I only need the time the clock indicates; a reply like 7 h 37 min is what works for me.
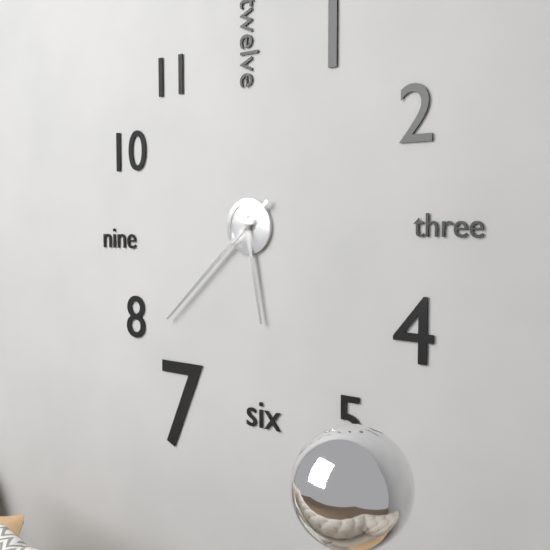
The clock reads 5 h 38 min
